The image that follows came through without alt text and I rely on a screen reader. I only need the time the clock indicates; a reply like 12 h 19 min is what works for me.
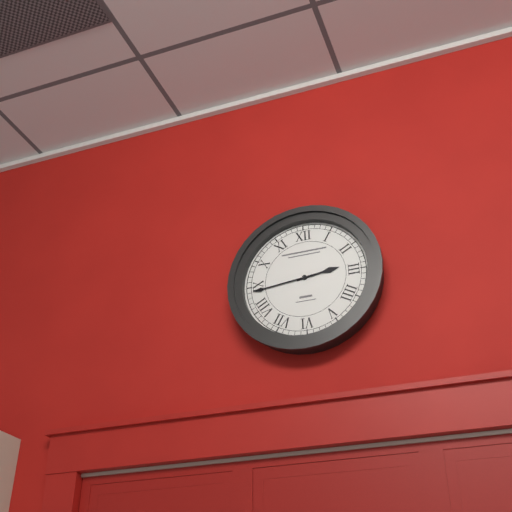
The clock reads 2 h 44 min
